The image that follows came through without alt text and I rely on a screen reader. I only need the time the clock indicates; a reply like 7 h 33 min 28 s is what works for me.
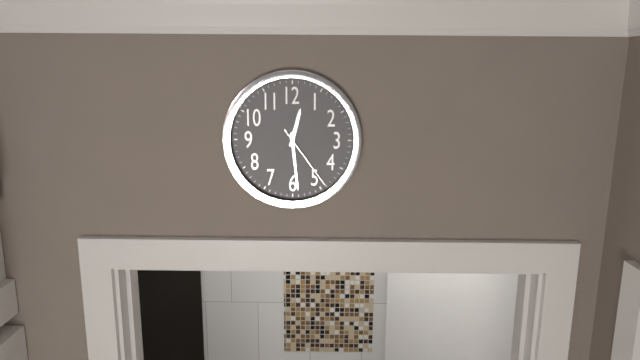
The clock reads 12 h 29 min 24 s
